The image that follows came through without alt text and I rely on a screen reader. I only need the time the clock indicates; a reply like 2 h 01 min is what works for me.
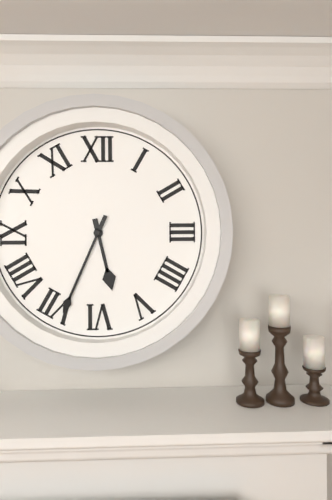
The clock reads 5 h 34 min
